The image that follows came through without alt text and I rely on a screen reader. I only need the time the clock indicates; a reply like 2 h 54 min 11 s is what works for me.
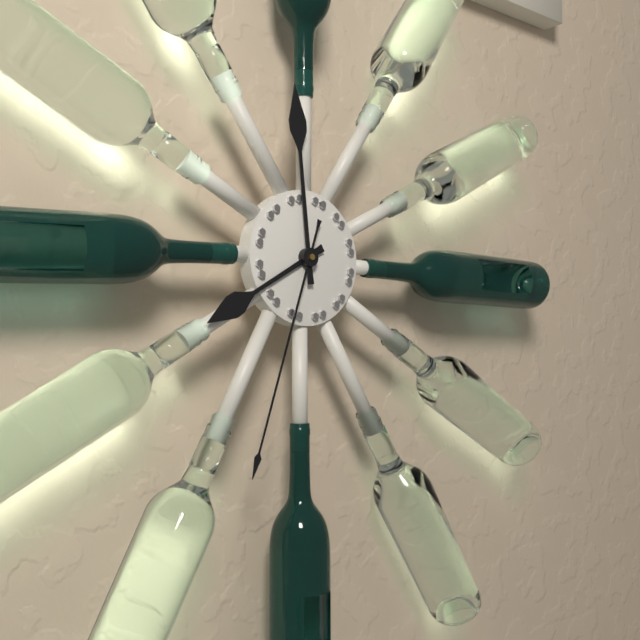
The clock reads 7 h 59 min 33 s
